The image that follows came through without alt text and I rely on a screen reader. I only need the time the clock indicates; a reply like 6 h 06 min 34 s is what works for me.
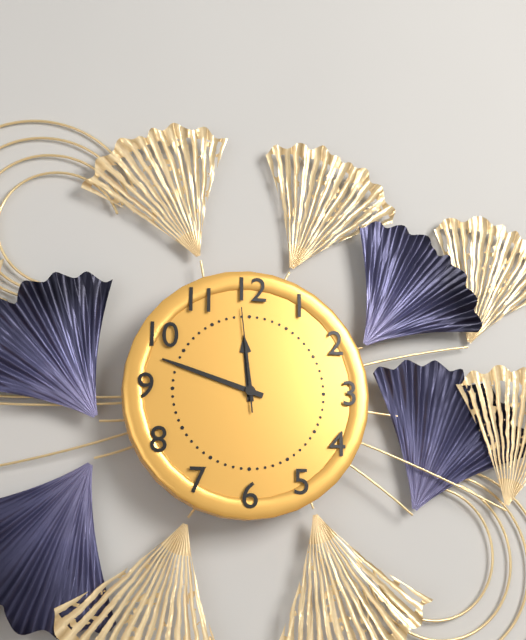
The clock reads 11 h 48 min 59 s
